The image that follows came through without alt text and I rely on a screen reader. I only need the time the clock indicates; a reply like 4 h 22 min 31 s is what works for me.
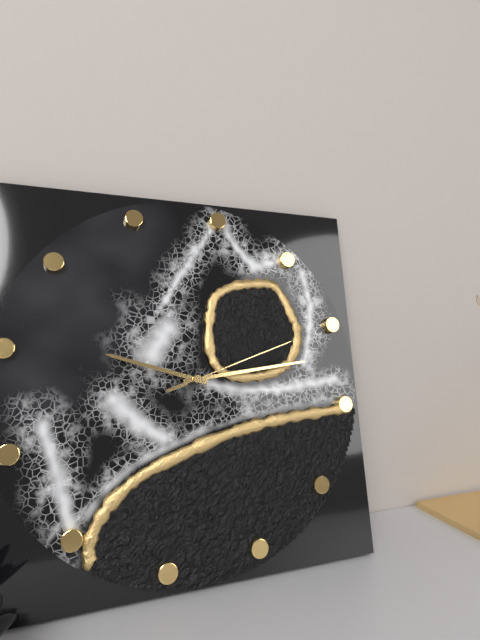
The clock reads 9 h 12 min 10 s
